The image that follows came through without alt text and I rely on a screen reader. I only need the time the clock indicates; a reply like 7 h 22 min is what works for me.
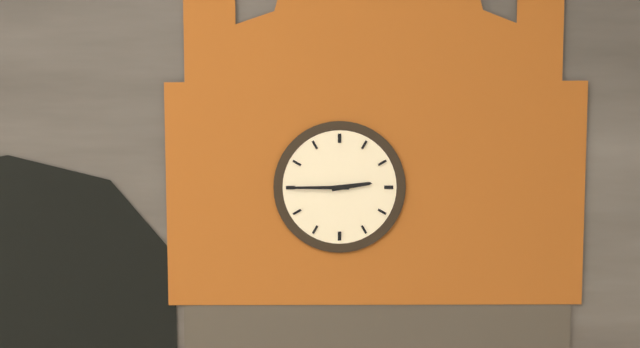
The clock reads 2 h 45 min
